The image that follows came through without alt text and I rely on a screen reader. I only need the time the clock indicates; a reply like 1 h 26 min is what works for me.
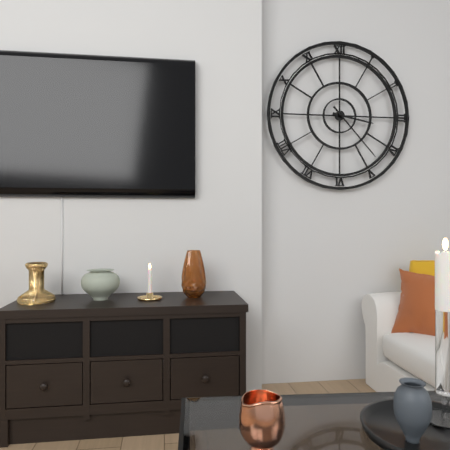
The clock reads 3 h 23 min
